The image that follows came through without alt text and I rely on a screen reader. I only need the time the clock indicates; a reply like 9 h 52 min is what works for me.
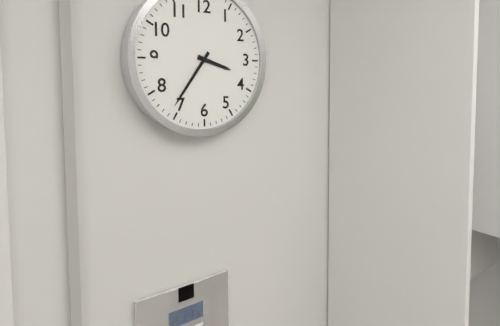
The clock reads 3 h 36 min
